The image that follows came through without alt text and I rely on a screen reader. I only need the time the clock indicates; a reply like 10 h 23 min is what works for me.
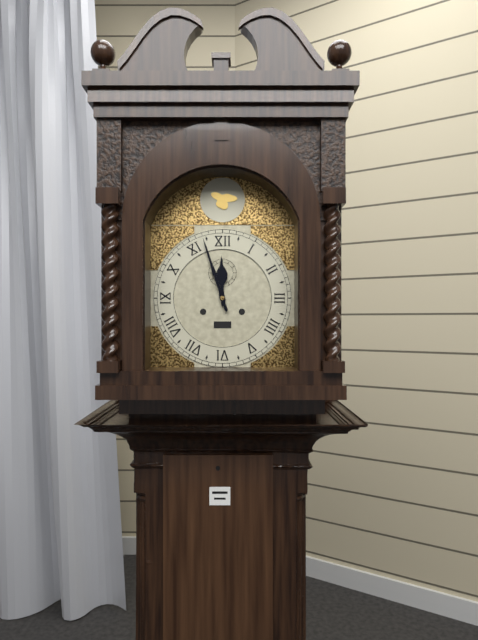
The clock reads 11 h 57 min
